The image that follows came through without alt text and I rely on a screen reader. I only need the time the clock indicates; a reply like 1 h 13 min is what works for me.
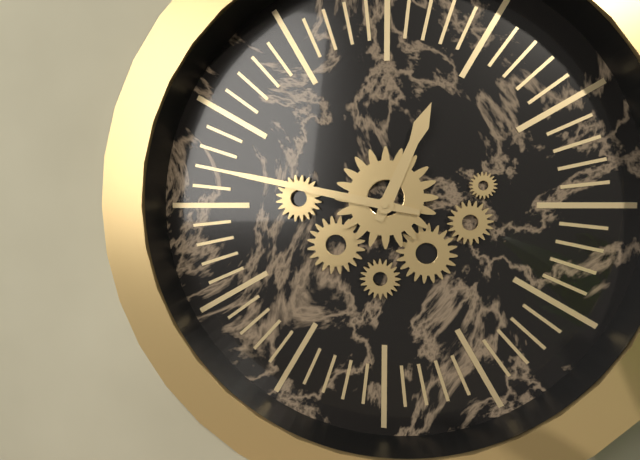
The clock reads 12 h 47 min
